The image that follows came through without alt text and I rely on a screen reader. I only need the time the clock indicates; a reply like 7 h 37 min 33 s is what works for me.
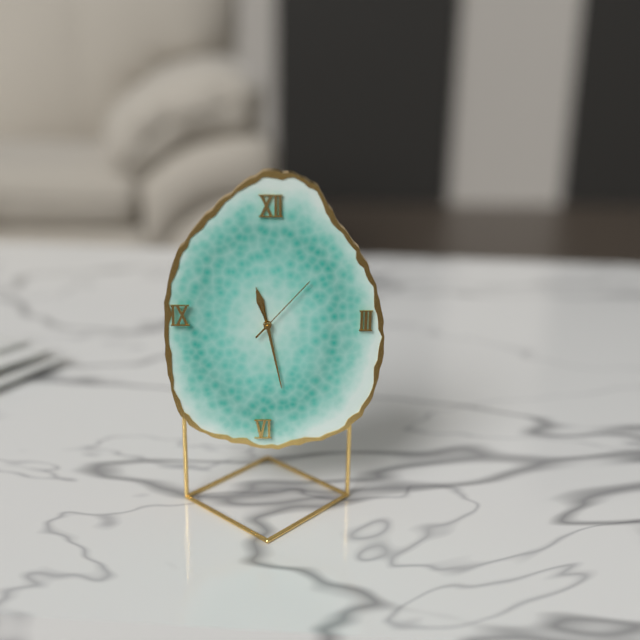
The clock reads 11 h 28 min 07 s
